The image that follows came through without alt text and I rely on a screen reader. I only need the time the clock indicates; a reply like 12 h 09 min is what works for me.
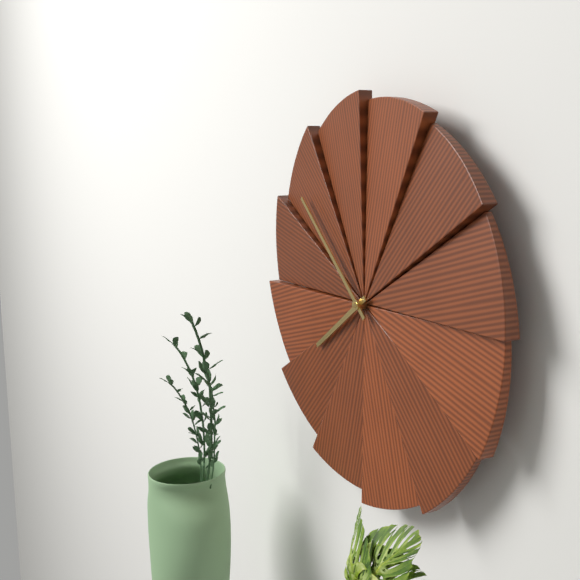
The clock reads 7 h 52 min
